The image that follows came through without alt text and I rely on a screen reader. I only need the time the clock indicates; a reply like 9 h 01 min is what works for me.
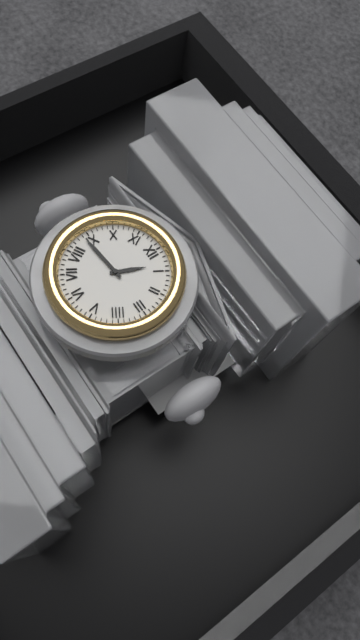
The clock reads 12 h 44 min
